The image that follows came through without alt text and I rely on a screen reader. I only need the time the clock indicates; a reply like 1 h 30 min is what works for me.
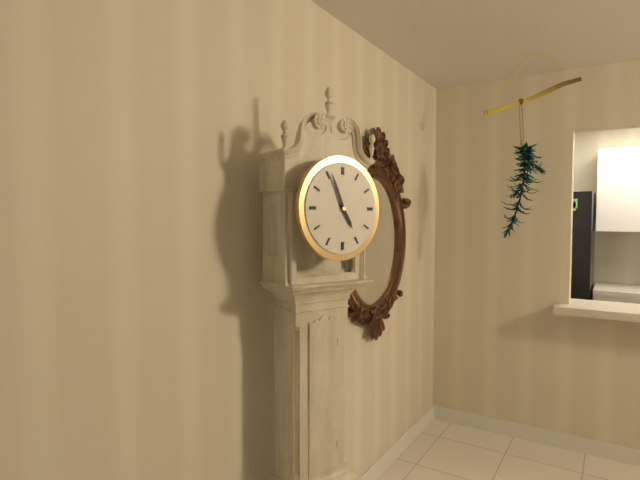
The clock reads 4 h 56 min
